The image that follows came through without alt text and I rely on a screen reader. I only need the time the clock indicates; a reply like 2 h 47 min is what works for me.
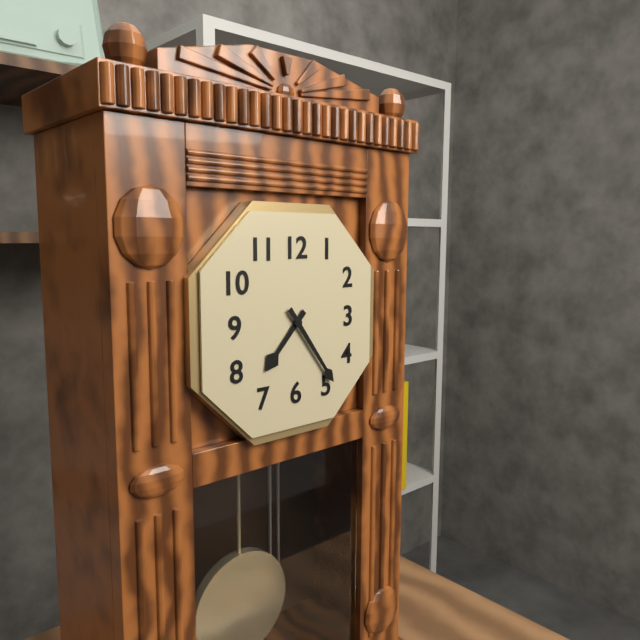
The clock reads 7 h 24 min
